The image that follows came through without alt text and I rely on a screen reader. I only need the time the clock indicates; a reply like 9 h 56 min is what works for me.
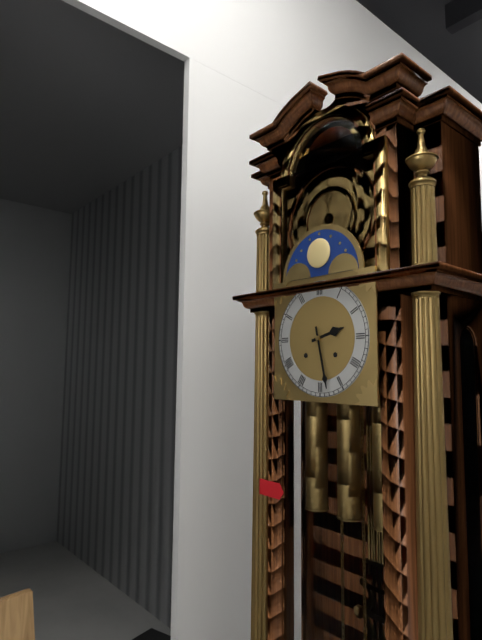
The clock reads 2 h 28 min
